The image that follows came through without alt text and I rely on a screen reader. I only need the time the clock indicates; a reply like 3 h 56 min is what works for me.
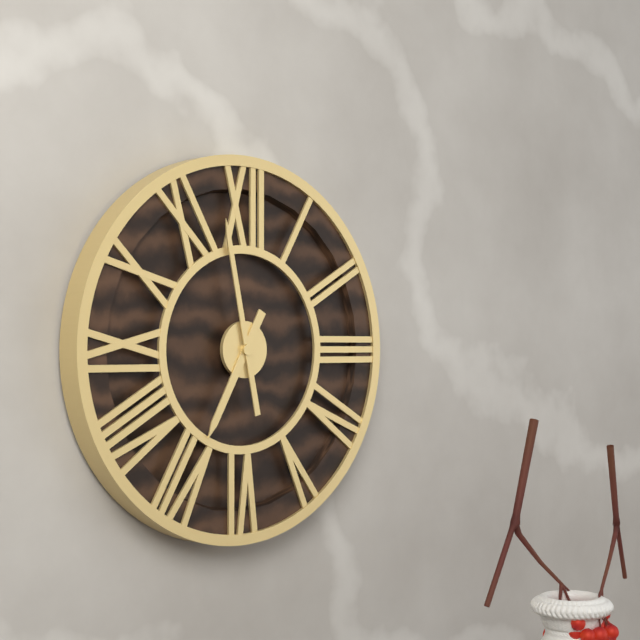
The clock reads 6 h 58 min
